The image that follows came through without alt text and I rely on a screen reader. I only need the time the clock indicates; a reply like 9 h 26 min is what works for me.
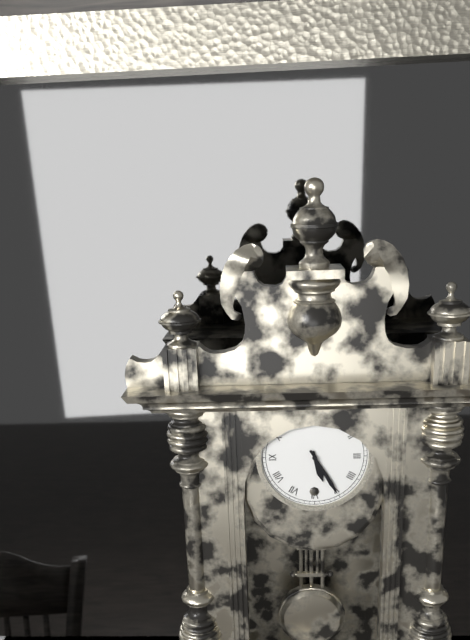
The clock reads 5 h 25 min
